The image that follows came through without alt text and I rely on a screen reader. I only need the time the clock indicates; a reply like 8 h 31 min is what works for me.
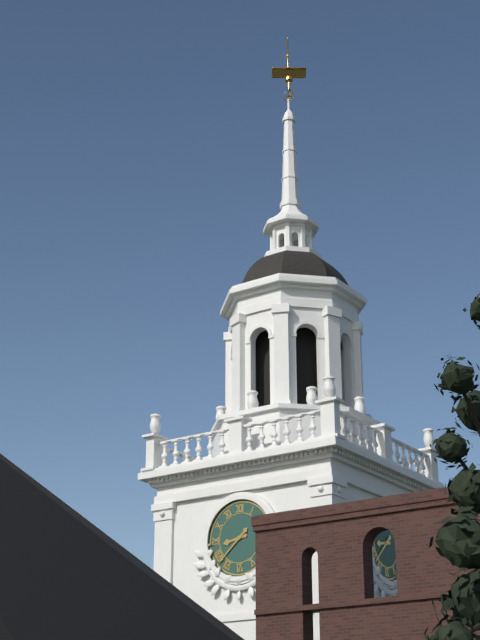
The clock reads 8 h 38 min
